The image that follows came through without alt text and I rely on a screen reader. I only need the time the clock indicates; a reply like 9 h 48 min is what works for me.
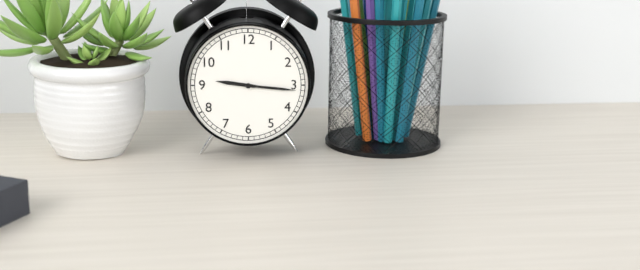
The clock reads 9 h 16 min
